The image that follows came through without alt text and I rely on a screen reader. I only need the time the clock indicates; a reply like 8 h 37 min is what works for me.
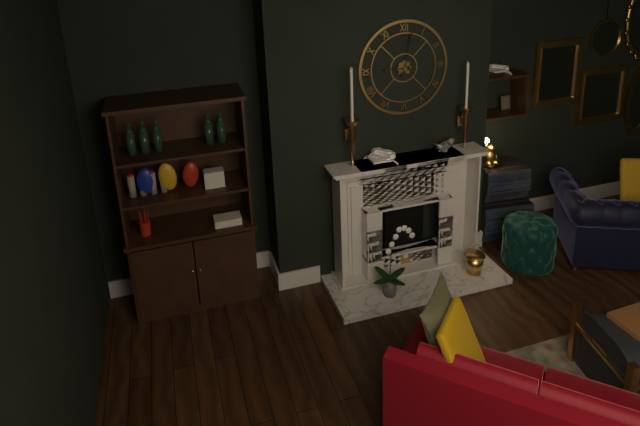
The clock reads 9 h 02 min
